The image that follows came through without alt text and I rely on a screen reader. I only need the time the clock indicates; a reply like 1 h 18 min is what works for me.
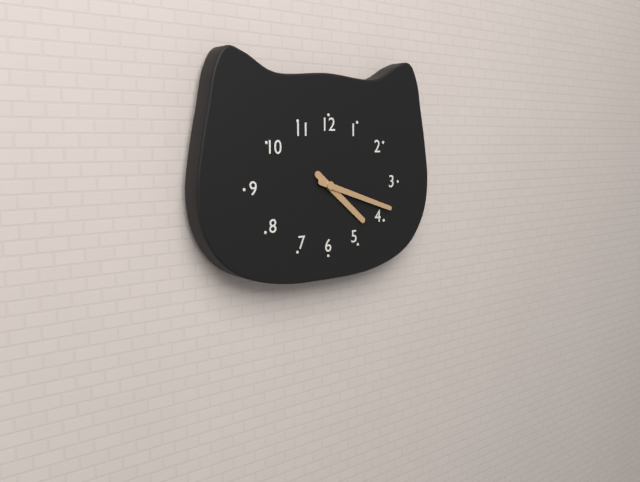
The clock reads 4 h 18 min
